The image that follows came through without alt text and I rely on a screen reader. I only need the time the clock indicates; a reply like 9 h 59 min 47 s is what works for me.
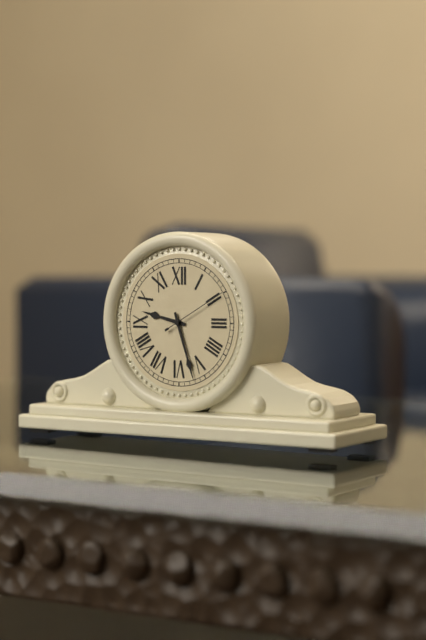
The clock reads 9 h 27 min 10 s
